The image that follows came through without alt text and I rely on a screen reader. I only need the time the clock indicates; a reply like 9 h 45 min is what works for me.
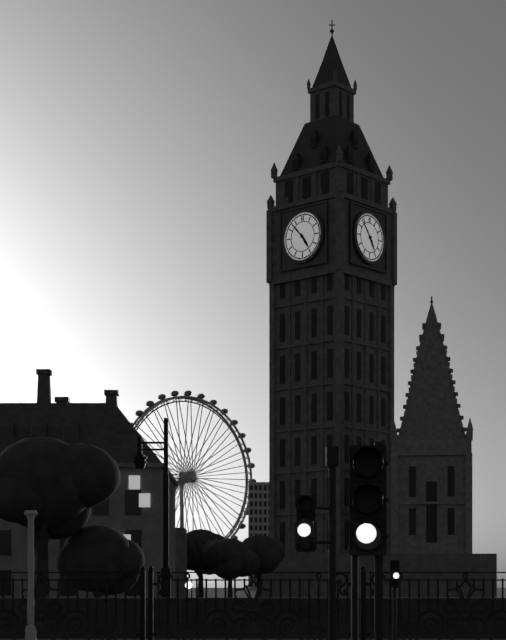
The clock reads 4 h 53 min
